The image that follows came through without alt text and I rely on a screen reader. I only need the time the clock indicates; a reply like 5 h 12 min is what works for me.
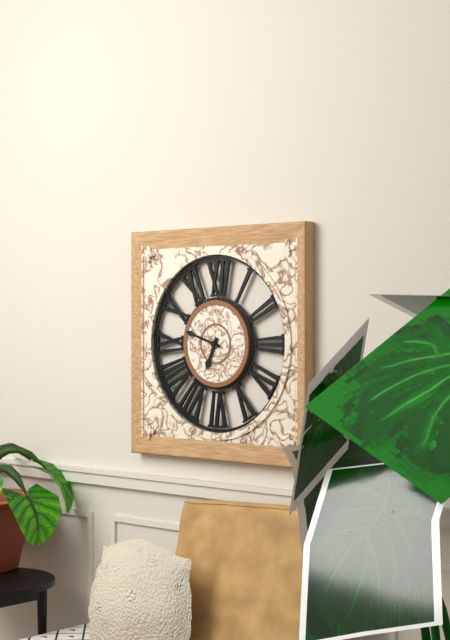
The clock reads 6 h 48 min
